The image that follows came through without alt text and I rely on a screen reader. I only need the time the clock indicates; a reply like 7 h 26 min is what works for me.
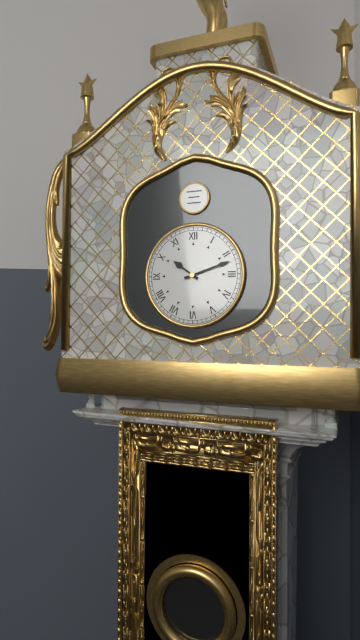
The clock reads 10 h 12 min
